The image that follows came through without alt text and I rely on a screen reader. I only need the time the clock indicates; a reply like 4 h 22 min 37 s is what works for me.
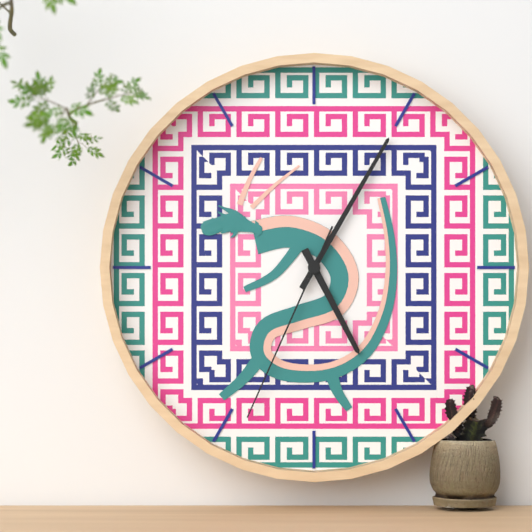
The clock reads 5 h 05 min 34 s
